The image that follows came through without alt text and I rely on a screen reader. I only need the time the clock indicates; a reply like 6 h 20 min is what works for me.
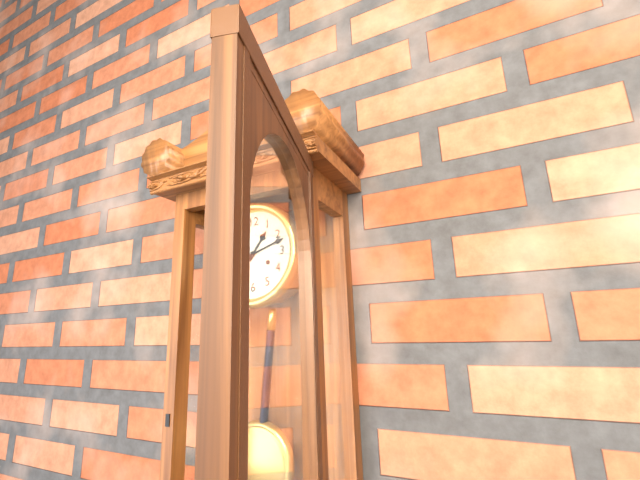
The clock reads 1 h 12 min
